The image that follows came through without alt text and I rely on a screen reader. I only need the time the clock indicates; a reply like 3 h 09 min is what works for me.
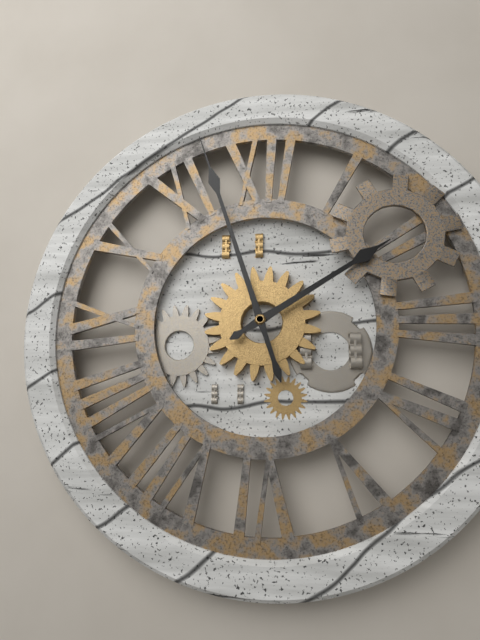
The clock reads 1 h 57 min
